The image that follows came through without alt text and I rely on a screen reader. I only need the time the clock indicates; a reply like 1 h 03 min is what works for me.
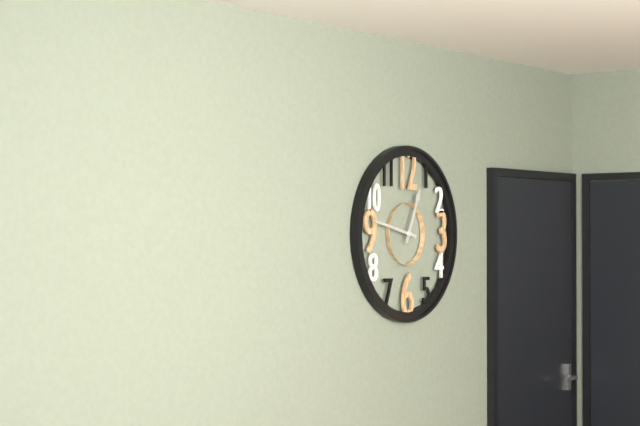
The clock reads 12 h 47 min
